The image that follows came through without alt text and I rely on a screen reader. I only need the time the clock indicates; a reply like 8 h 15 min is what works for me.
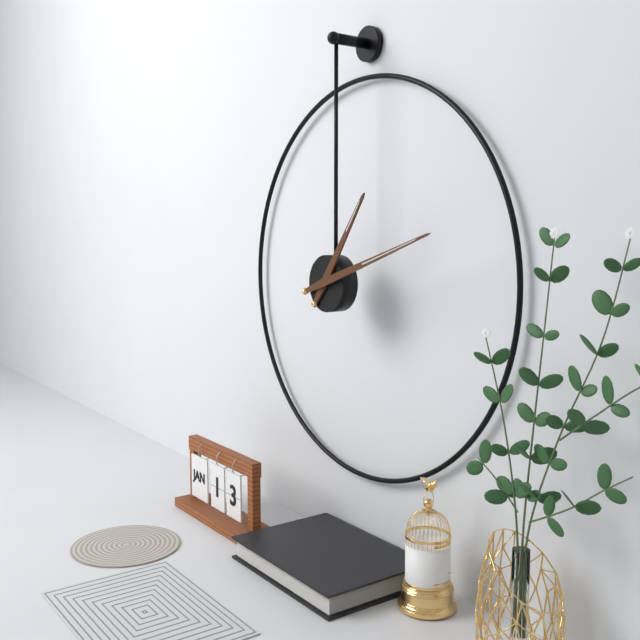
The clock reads 1 h 12 min
